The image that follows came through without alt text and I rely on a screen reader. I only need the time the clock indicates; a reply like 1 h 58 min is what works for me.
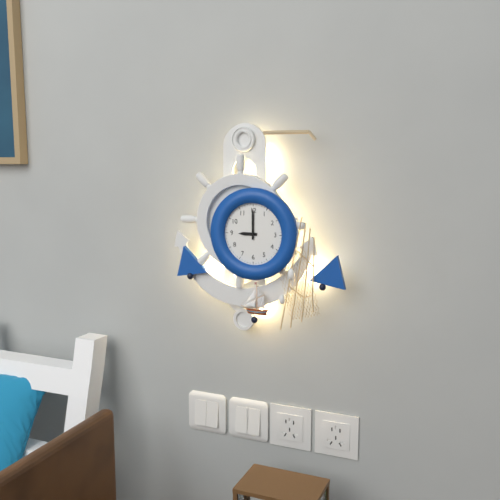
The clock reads 9 h 00 min
